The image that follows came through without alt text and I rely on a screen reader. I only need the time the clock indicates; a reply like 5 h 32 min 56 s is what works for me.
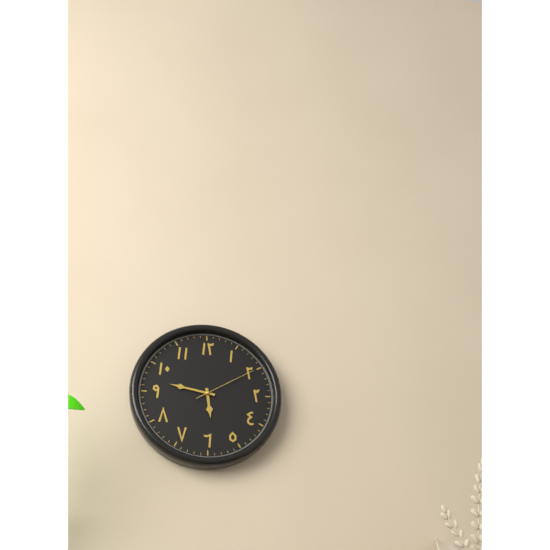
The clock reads 5 h 47 min 10 s
